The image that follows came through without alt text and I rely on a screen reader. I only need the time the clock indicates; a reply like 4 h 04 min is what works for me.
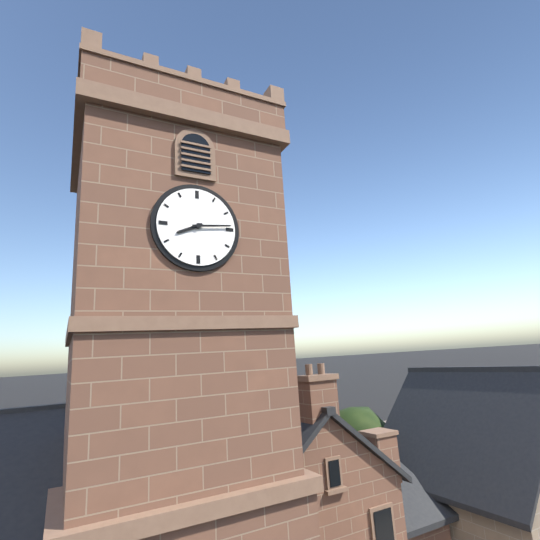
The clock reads 8 h 14 min
